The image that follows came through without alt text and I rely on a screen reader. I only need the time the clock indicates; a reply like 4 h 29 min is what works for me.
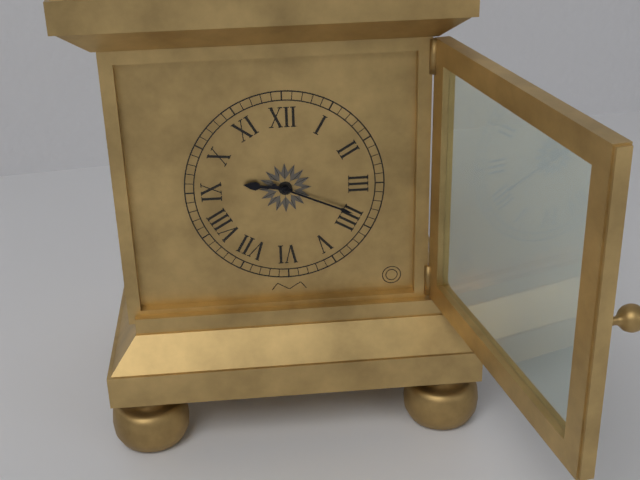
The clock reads 9 h 19 min
